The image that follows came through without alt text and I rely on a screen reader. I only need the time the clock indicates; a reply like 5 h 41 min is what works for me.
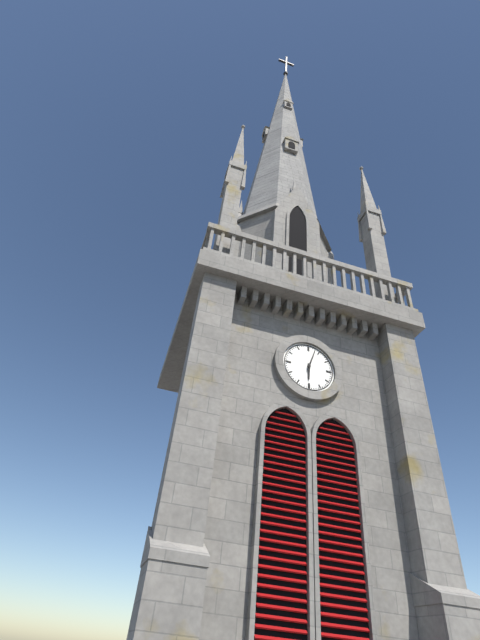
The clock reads 6 h 03 min
